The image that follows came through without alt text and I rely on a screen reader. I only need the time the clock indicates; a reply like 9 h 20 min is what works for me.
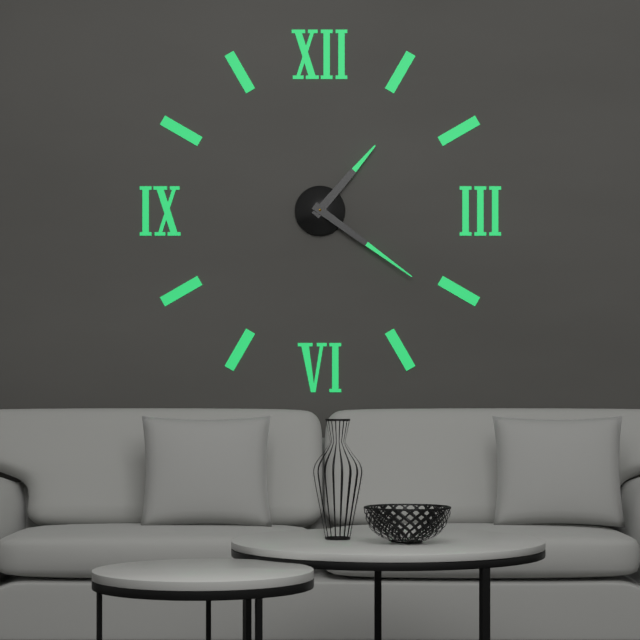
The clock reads 1 h 21 min
